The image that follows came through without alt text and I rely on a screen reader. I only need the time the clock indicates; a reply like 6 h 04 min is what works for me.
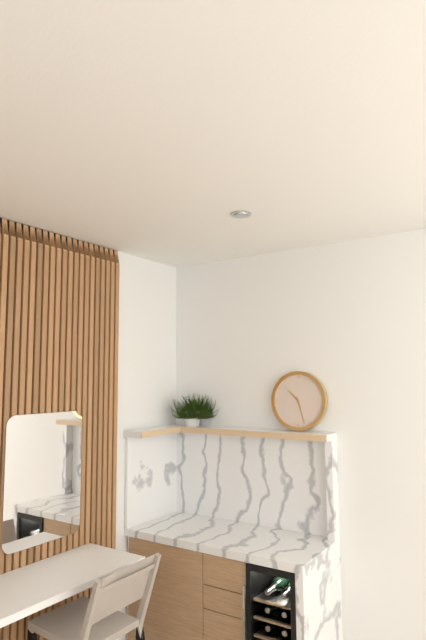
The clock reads 10 h 27 min
